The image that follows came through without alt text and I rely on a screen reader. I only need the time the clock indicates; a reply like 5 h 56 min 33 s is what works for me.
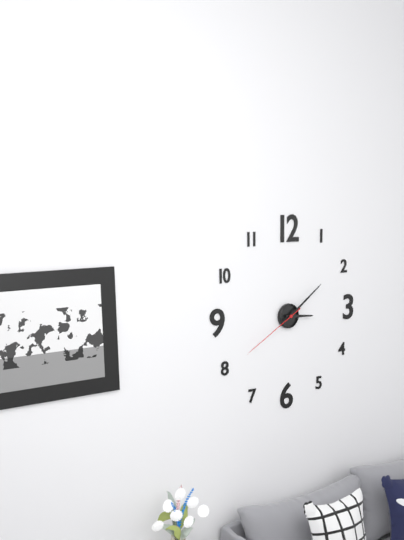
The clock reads 3 h 09 min 40 s
